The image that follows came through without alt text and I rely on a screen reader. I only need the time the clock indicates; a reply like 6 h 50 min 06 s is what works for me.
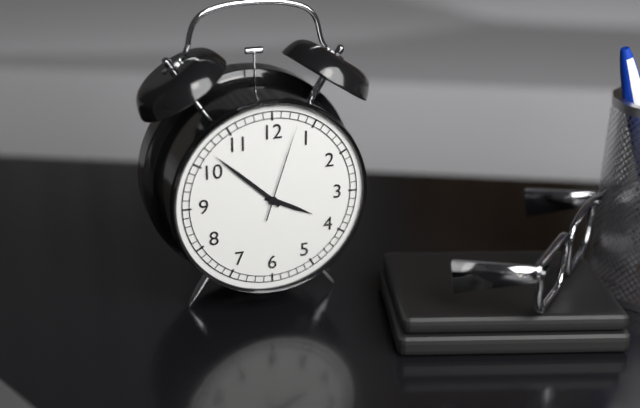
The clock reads 3 h 52 min 03 s
